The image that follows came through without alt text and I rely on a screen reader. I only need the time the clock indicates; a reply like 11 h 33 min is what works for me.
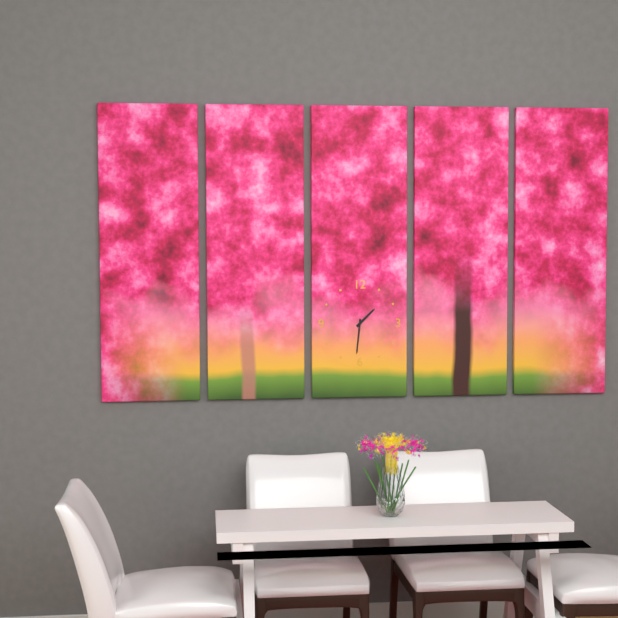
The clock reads 1 h 31 min
